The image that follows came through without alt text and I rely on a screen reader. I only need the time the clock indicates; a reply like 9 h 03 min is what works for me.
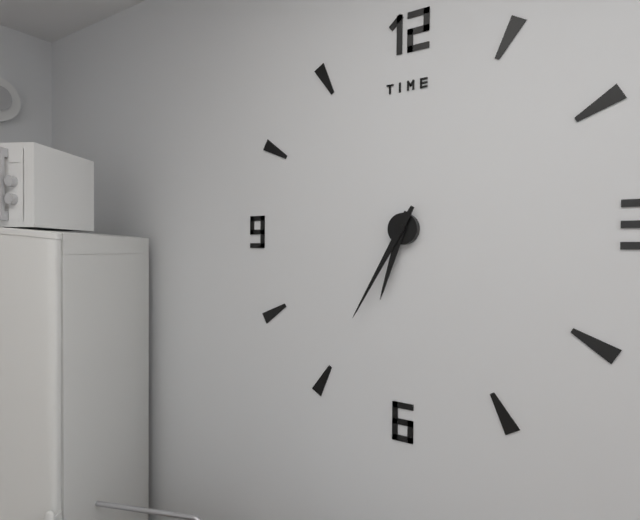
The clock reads 6 h 35 min
